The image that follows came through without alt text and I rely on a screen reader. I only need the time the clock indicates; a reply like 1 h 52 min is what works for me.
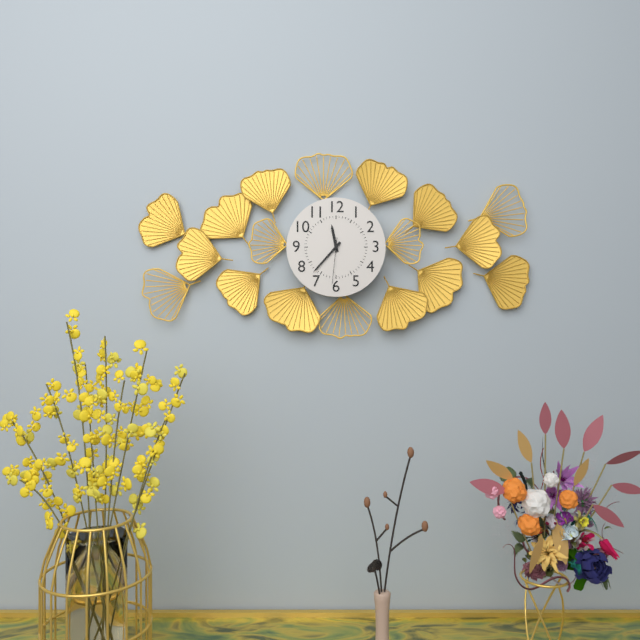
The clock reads 11 h 37 min
